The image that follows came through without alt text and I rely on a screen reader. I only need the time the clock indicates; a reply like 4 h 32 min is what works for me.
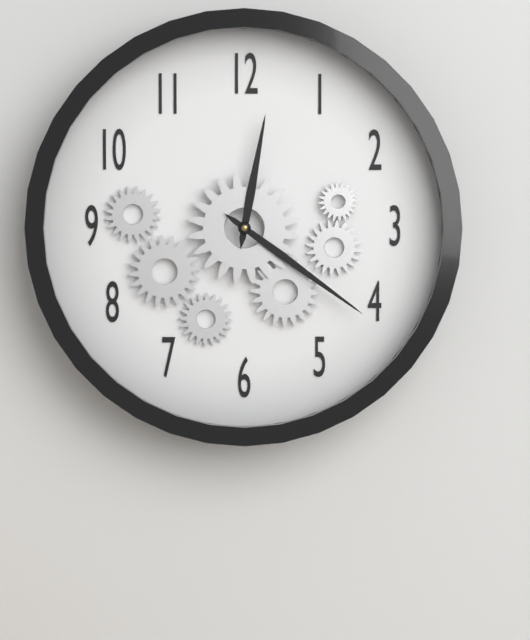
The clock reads 12 h 21 min
